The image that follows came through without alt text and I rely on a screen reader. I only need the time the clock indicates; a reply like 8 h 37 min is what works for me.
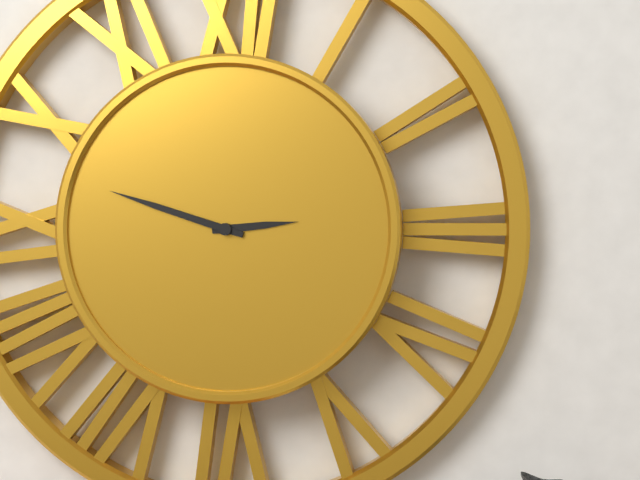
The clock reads 2 h 48 min
